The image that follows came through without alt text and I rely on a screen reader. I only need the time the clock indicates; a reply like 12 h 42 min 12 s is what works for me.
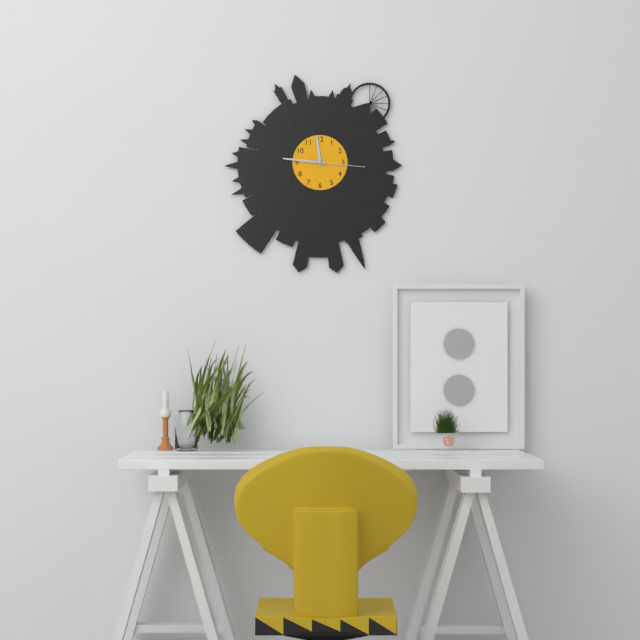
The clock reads 11 h 46 min 16 s
